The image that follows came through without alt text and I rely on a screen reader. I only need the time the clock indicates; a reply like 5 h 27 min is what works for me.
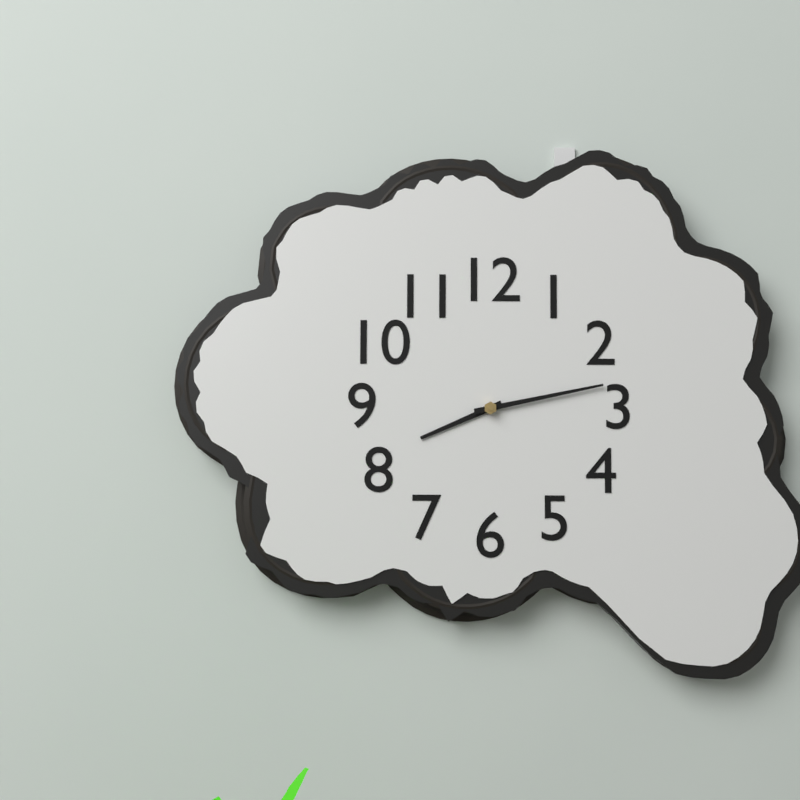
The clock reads 8 h 13 min
